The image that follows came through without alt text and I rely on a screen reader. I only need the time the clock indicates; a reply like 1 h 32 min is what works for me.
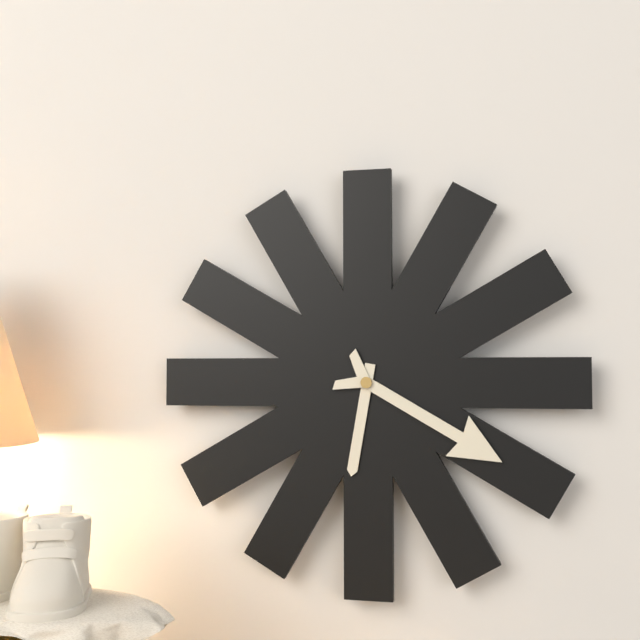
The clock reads 6 h 20 min
